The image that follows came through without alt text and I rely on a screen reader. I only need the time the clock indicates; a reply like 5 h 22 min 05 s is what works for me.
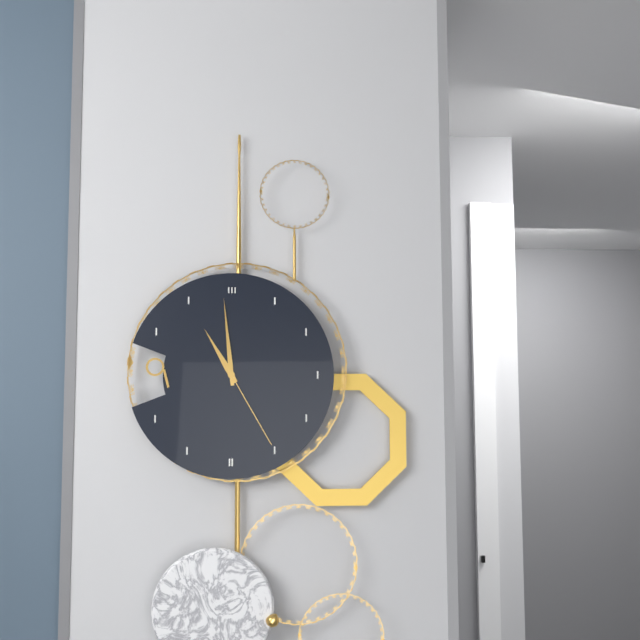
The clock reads 10 h 59 min 25 s
